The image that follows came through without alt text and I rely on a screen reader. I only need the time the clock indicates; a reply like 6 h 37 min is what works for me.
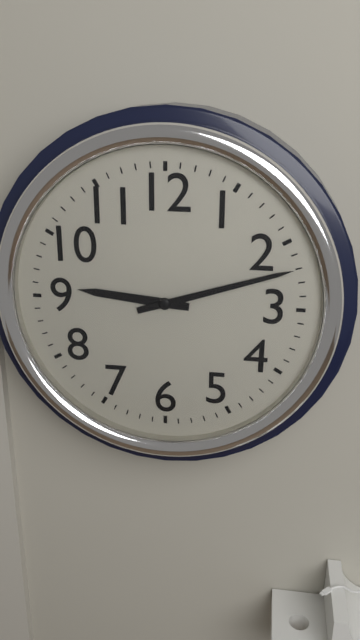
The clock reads 9 h 12 min
